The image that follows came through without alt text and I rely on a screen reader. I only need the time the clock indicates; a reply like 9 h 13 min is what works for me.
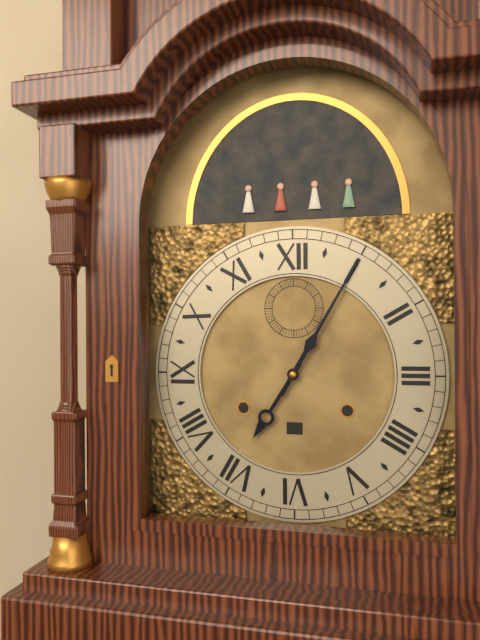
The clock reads 7 h 05 min
